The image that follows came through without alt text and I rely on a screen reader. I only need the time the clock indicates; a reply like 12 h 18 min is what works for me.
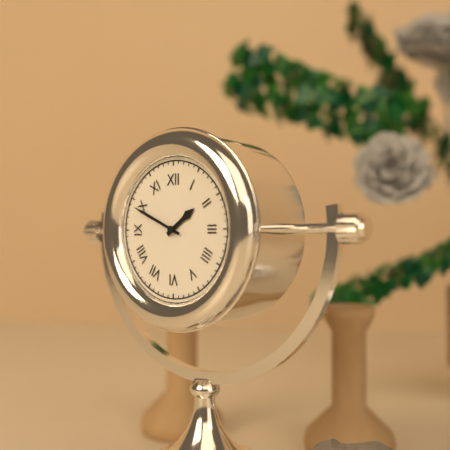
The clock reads 1 h 49 min
